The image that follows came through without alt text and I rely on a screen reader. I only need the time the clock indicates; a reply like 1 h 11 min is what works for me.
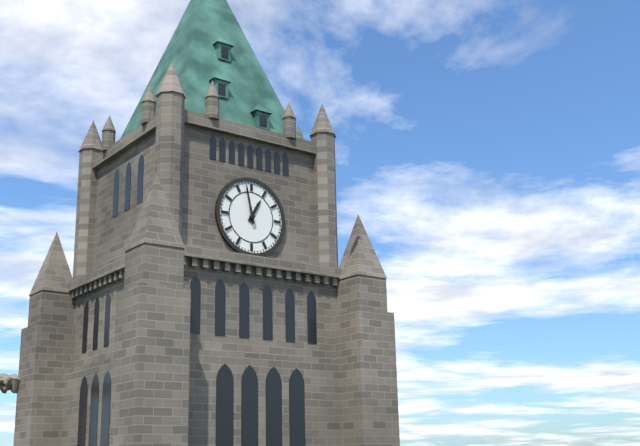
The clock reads 12 h 58 min
